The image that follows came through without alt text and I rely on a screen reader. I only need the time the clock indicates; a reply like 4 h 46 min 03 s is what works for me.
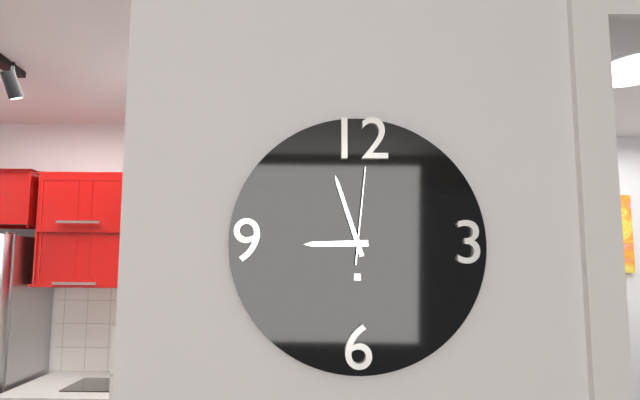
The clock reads 8 h 57 min 01 s
